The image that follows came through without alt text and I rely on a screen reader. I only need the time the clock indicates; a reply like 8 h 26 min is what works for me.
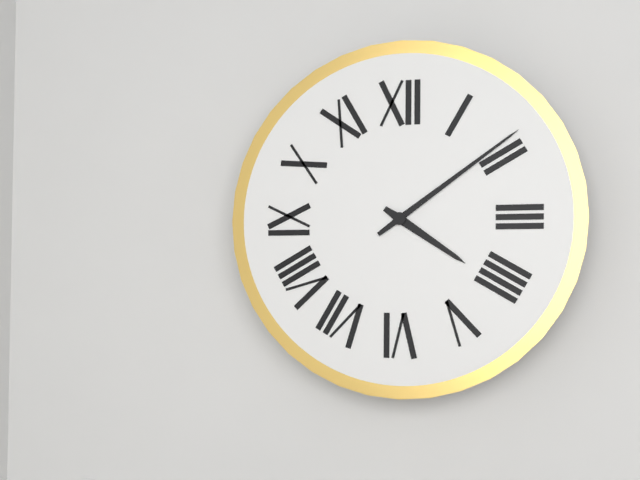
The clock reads 4 h 09 min
